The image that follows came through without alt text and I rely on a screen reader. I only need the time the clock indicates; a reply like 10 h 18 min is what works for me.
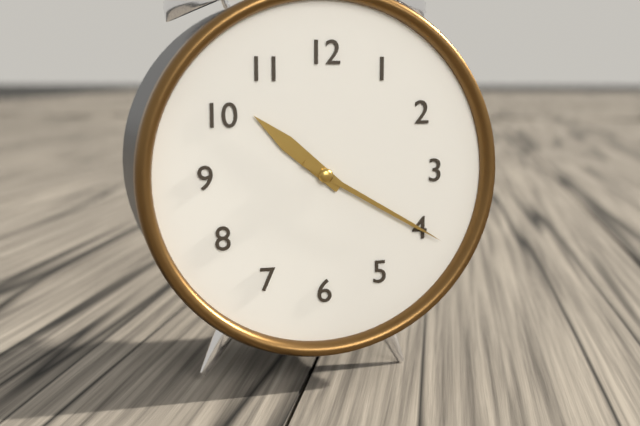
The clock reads 10 h 20 min
